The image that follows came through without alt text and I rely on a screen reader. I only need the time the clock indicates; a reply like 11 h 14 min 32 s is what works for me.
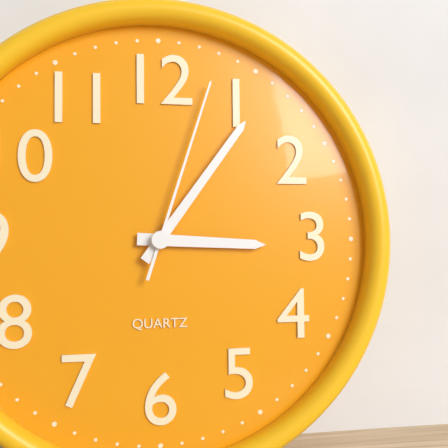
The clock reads 3 h 06 min 03 s
